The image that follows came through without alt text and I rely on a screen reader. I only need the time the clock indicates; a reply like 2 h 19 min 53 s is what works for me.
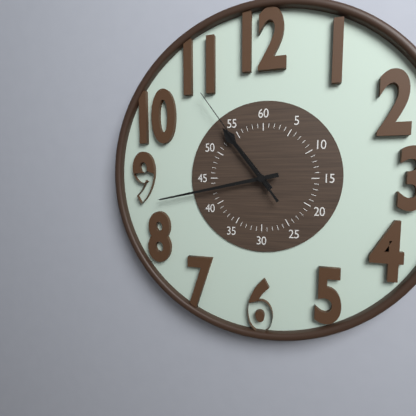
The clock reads 10 h 43 min 54 s
